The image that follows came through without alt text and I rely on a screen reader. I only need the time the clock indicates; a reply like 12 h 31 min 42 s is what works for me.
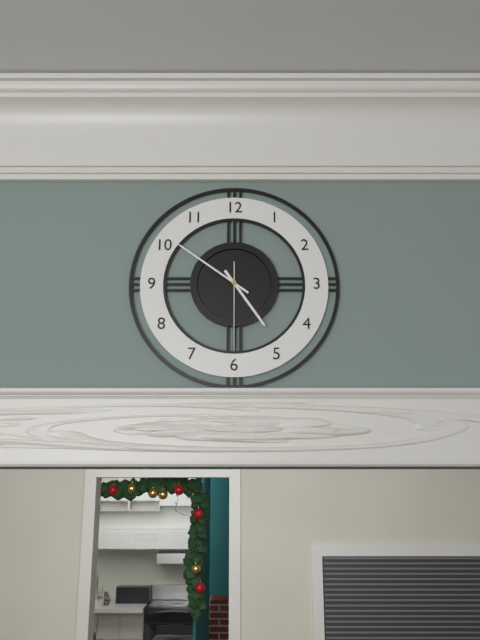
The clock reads 4 h 51 min 30 s
